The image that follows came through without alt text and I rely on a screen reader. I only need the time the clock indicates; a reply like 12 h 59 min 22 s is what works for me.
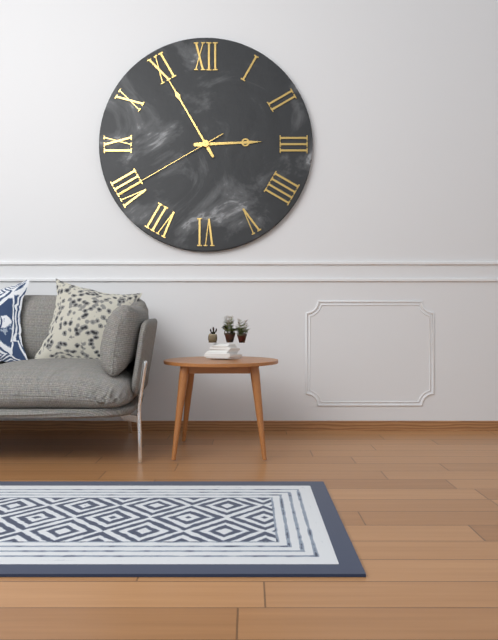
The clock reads 2 h 55 min 40 s
